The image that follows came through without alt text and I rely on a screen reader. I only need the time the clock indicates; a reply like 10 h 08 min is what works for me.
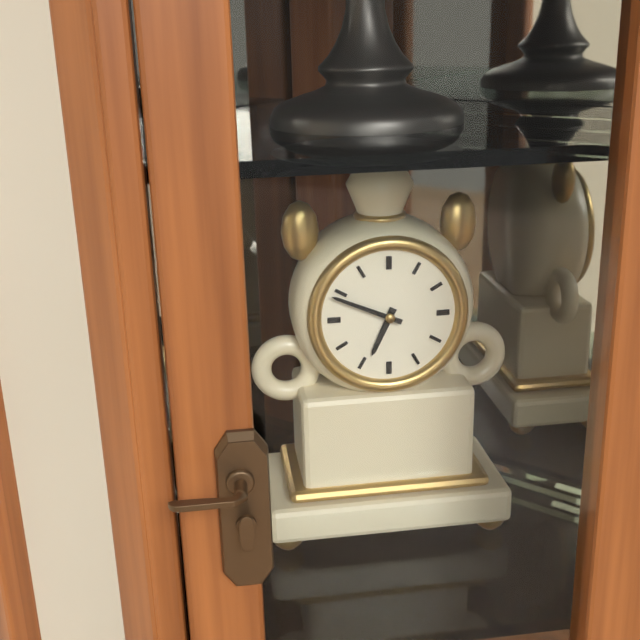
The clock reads 6 h 49 min
